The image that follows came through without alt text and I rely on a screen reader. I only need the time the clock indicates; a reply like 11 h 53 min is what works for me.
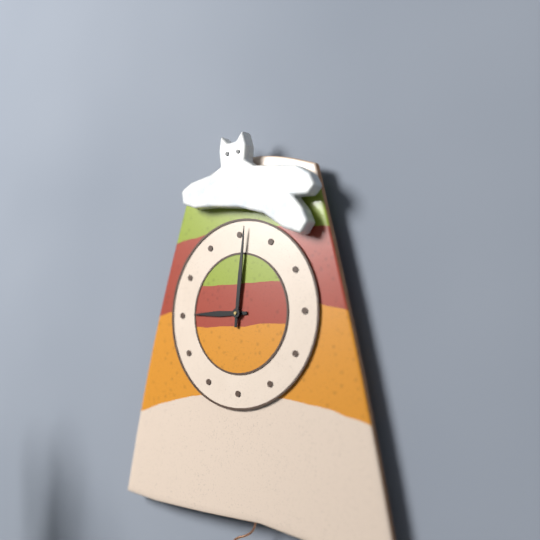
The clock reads 9 h 01 min
